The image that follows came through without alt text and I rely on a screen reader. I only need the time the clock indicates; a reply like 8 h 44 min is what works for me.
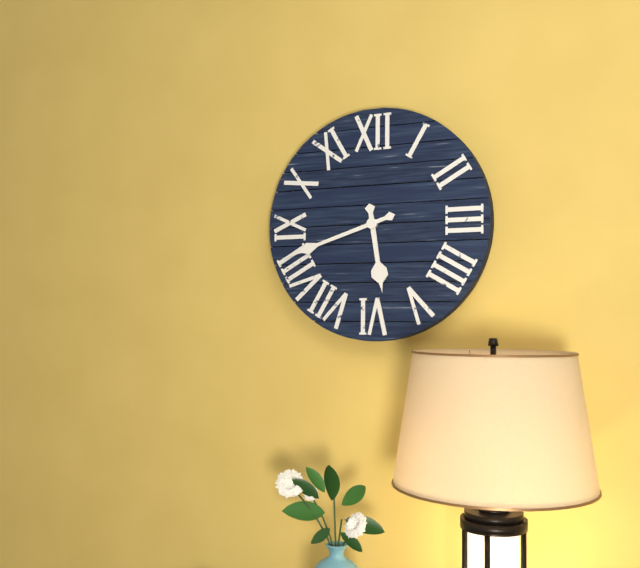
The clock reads 5 h 42 min
